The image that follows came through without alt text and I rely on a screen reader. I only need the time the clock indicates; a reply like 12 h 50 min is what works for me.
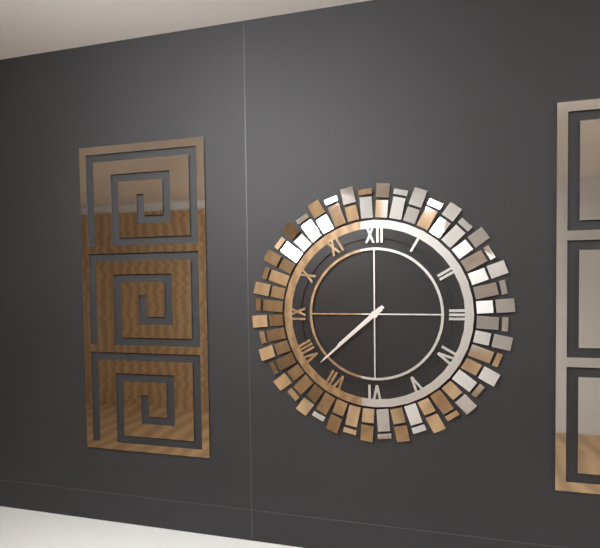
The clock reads 7 h 38 min
